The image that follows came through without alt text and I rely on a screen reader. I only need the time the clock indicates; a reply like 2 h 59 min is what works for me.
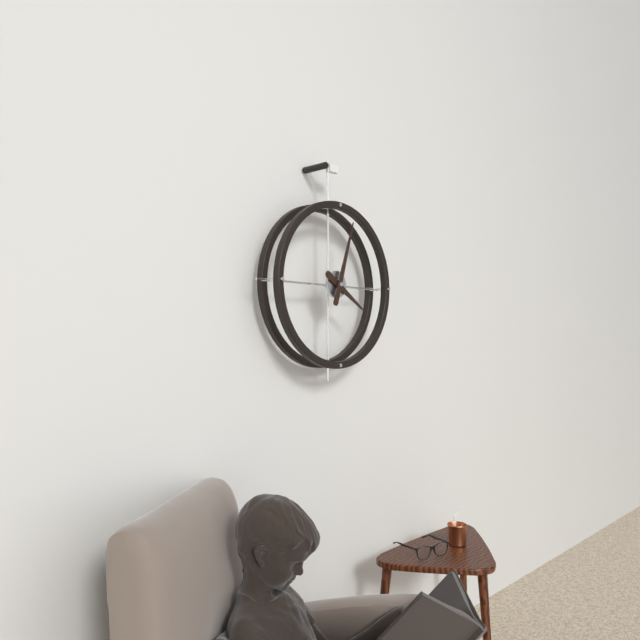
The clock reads 4 h 03 min
